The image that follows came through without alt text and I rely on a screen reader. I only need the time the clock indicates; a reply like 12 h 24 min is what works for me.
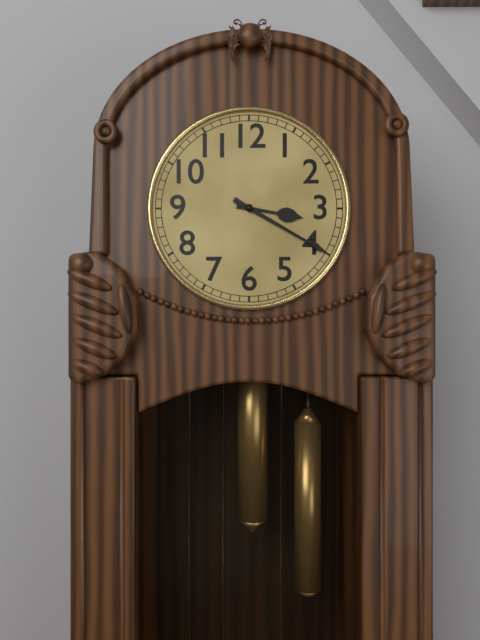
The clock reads 3 h 20 min
